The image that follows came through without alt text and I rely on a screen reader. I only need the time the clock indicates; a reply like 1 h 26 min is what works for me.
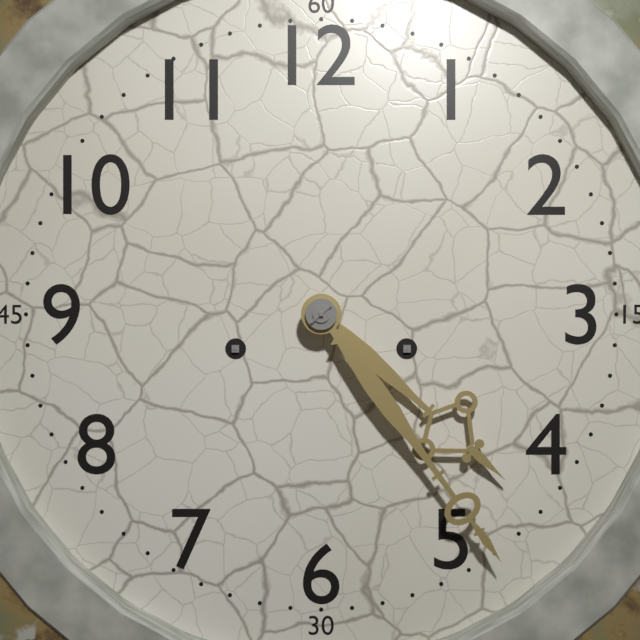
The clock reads 4 h 24 min
